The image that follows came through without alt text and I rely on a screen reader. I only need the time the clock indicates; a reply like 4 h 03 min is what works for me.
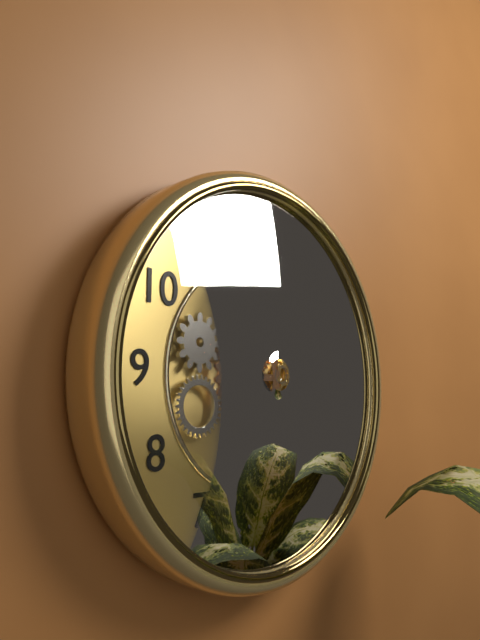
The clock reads 4 h 31 min
